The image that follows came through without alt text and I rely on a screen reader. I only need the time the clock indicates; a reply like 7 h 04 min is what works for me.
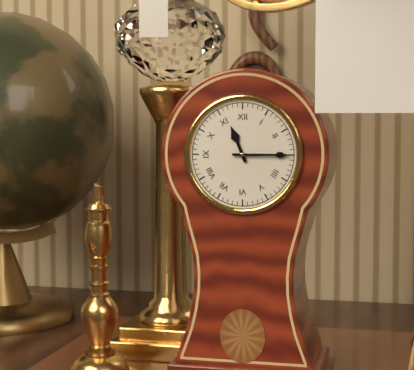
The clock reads 11 h 15 min
